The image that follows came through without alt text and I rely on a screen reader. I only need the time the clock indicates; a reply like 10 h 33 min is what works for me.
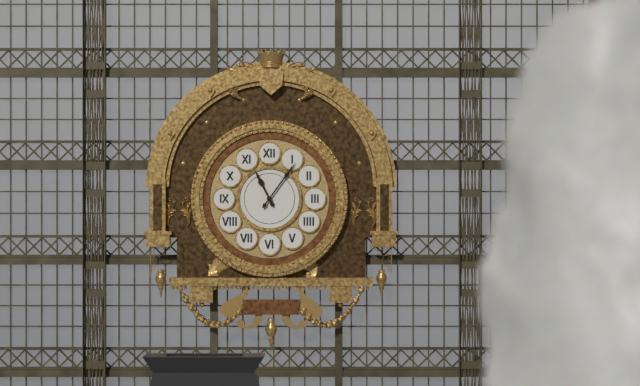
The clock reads 11 h 06 min
